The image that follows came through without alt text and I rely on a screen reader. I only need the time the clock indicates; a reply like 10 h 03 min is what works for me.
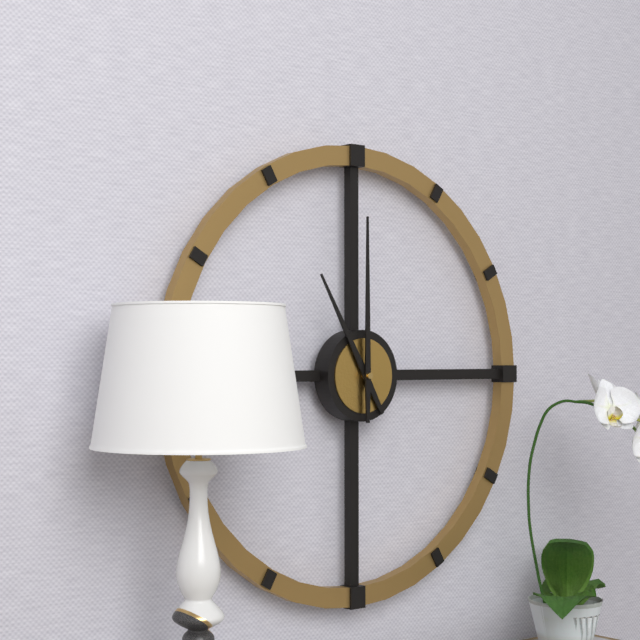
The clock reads 11 h 00 min
